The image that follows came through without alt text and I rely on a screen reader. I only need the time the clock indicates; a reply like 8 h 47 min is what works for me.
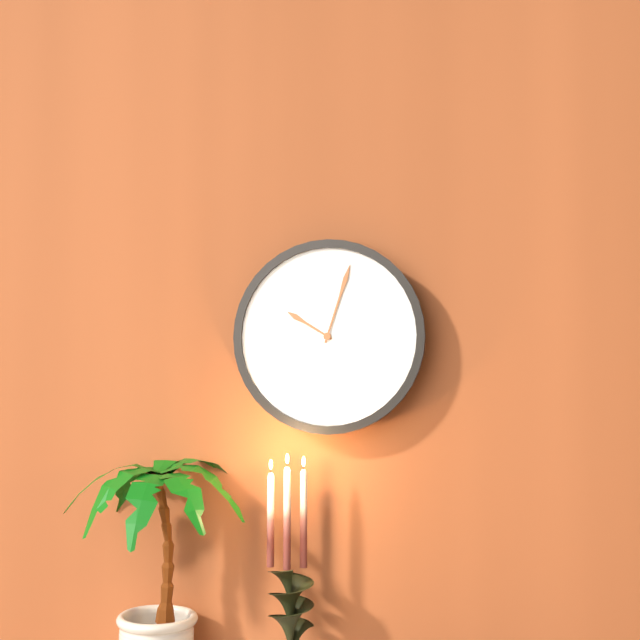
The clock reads 10 h 03 min
